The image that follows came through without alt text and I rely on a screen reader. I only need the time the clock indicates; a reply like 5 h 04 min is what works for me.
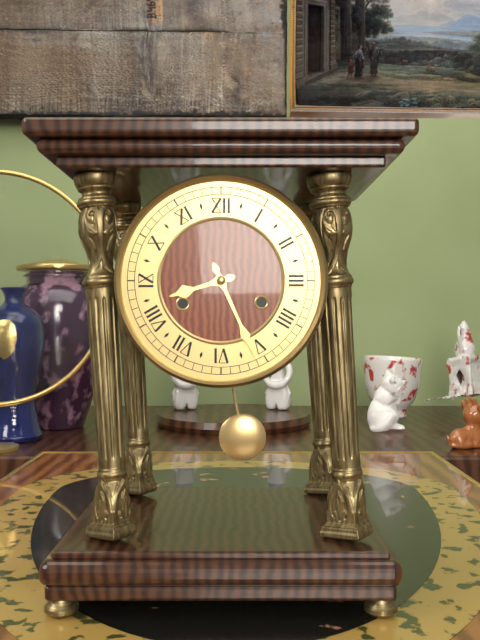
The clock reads 8 h 26 min
